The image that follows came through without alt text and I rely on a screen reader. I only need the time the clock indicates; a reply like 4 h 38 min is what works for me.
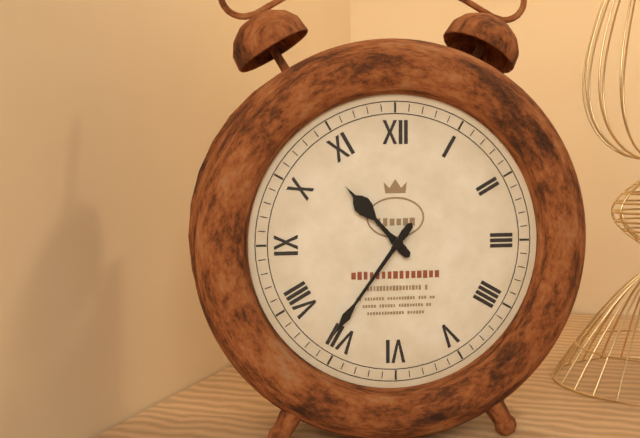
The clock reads 10 h 36 min
